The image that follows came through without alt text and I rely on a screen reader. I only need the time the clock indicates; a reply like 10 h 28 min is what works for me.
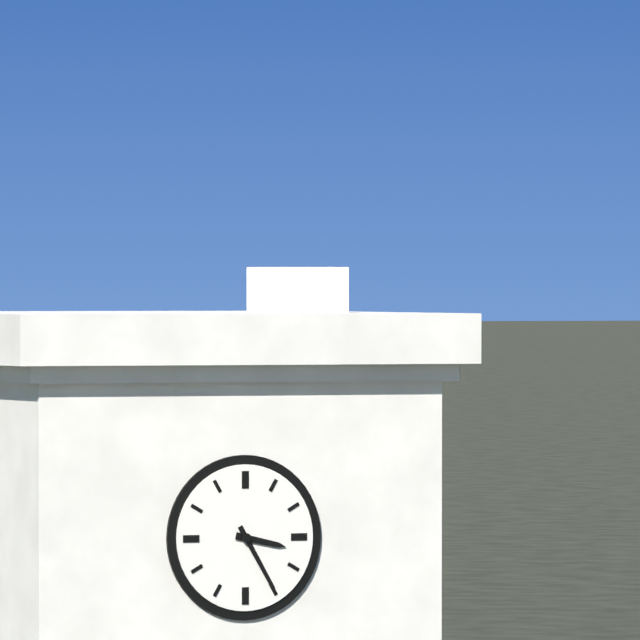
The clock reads 3 h 25 min
